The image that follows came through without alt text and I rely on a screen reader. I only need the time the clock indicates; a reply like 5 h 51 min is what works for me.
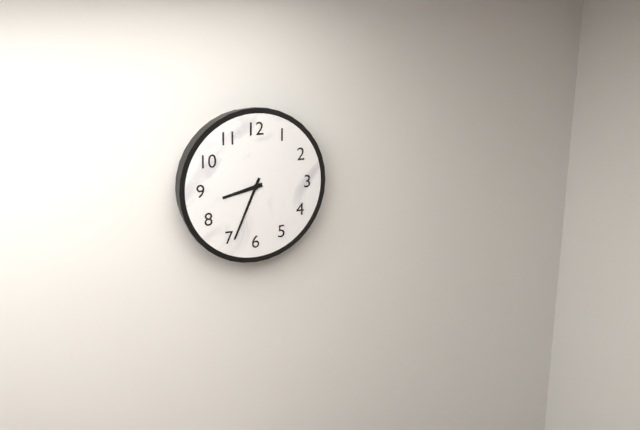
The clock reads 8 h 34 min
